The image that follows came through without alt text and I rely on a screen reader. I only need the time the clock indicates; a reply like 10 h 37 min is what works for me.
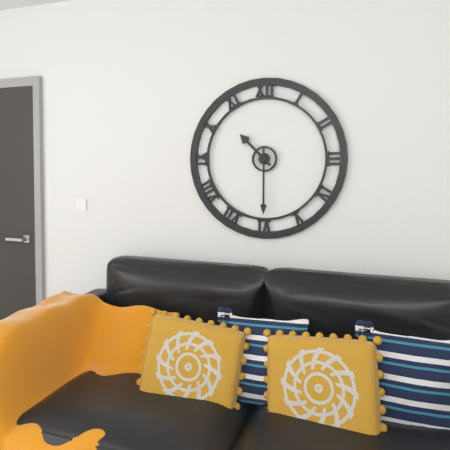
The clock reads 10 h 30 min
